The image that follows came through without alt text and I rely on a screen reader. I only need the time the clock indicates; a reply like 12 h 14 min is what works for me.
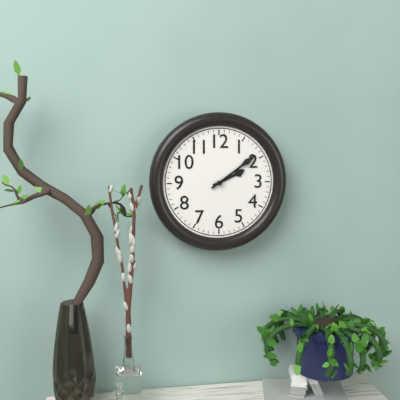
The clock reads 2 h 09 min
